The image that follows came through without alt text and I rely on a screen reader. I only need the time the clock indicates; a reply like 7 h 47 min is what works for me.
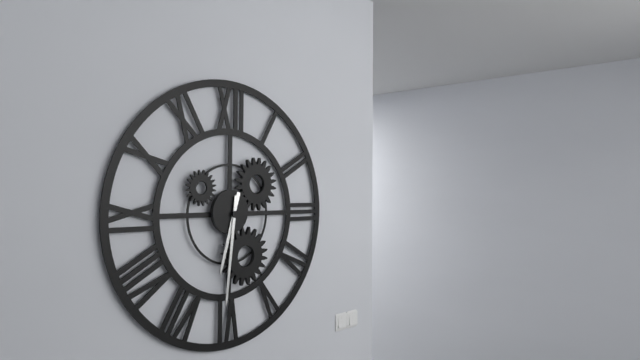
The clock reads 6 h 31 min
